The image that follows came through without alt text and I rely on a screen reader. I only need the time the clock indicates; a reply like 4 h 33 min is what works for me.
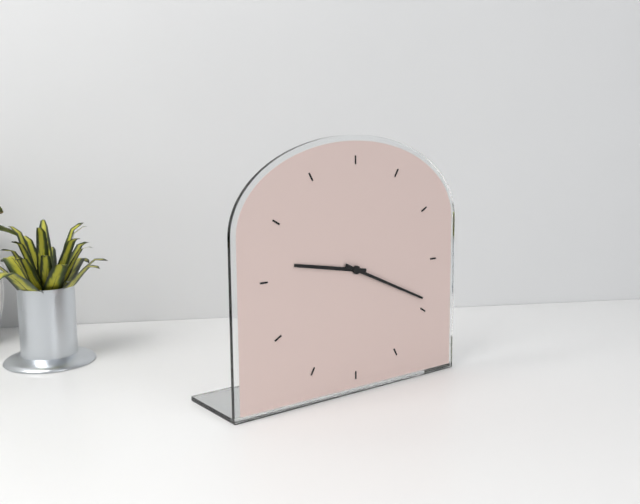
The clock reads 9 h 19 min
